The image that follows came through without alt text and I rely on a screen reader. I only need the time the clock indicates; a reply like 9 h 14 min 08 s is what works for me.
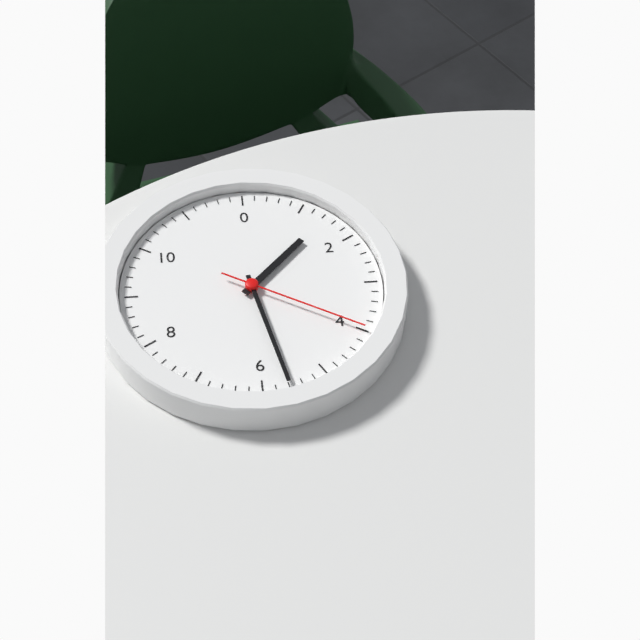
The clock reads 1 h 28 min 20 s
